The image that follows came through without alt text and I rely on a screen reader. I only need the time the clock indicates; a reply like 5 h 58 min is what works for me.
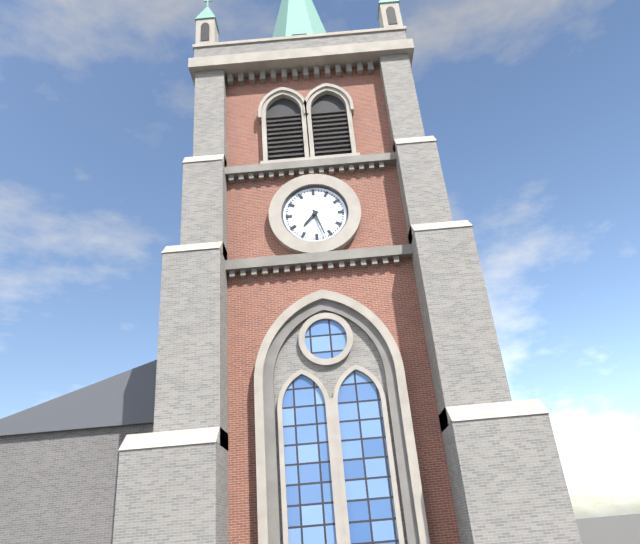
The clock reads 7 h 27 min
